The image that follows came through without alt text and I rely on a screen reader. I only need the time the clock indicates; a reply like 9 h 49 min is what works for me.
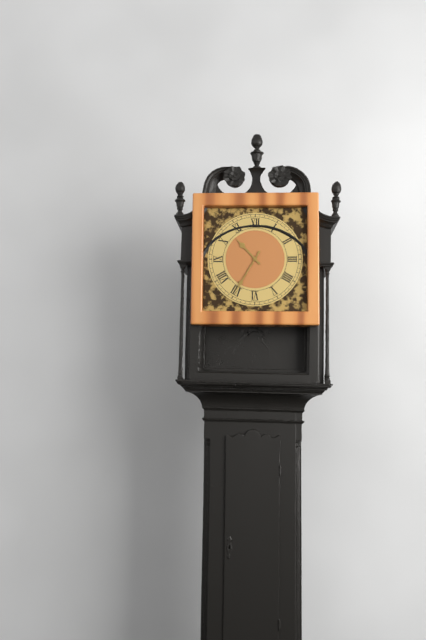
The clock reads 10 h 35 min
